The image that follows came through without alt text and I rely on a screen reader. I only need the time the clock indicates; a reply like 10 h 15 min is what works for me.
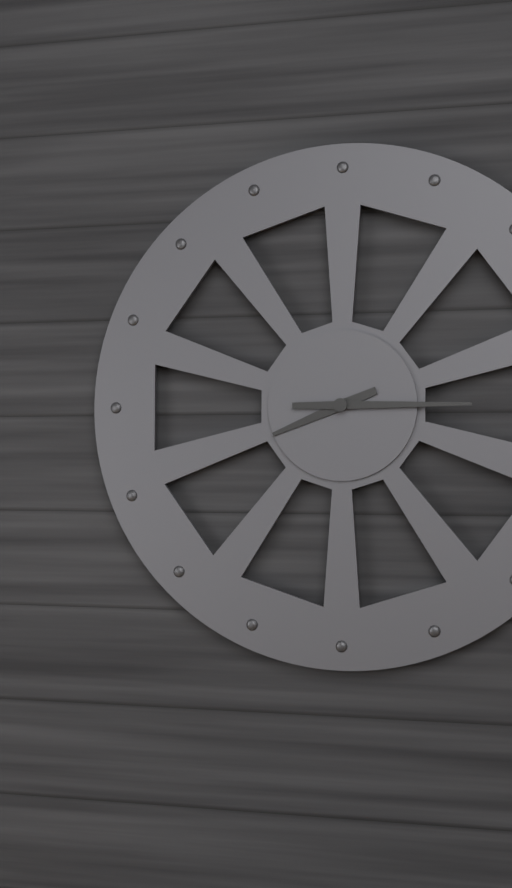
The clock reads 8 h 15 min
